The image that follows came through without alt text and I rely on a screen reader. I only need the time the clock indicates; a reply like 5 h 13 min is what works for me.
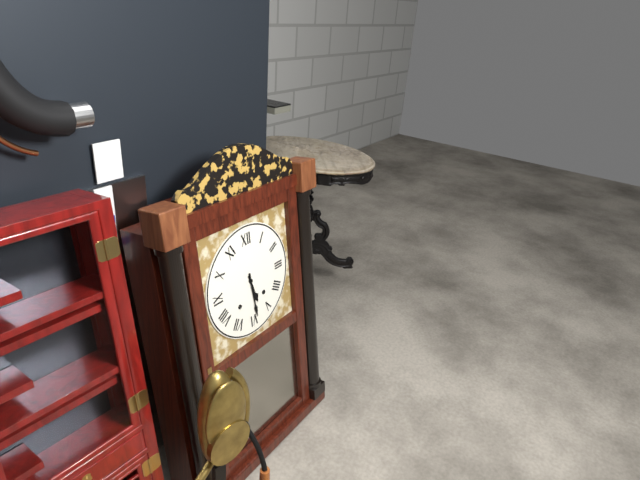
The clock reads 5 h 29 min
